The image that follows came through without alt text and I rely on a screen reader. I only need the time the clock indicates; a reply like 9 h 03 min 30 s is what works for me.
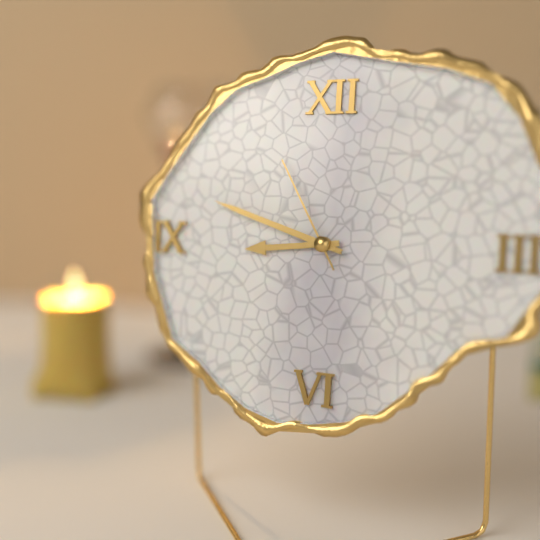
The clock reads 8 h 48 min 55 s
